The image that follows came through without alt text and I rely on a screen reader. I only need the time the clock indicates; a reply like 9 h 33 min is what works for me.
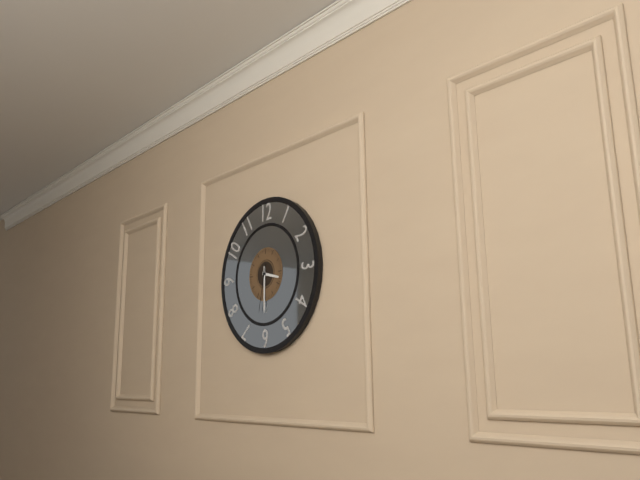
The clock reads 3 h 30 min
